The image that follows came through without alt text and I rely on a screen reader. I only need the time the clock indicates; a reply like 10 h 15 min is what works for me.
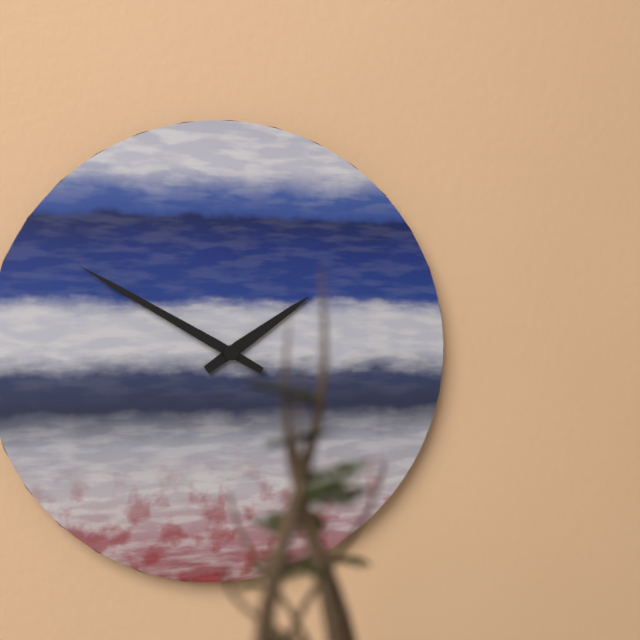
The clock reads 1 h 50 min
